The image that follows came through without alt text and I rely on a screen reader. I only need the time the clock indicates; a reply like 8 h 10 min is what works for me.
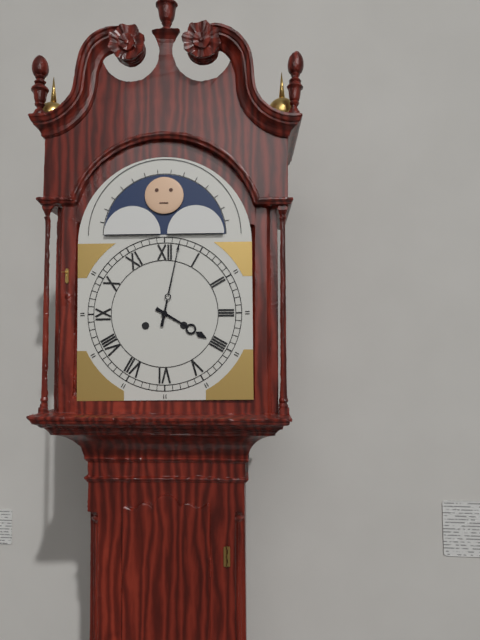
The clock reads 4 h 02 min
